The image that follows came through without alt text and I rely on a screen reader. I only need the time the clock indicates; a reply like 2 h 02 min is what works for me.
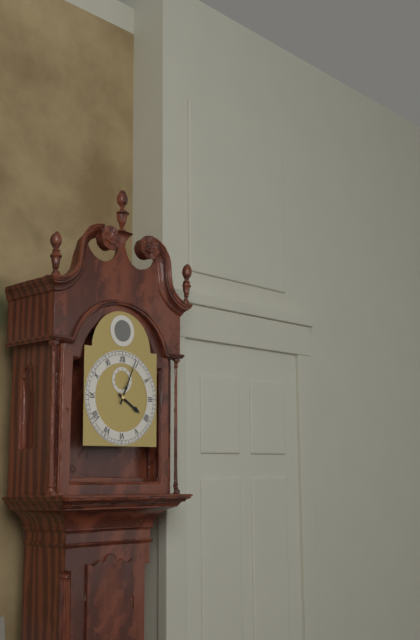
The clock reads 4 h 04 min
